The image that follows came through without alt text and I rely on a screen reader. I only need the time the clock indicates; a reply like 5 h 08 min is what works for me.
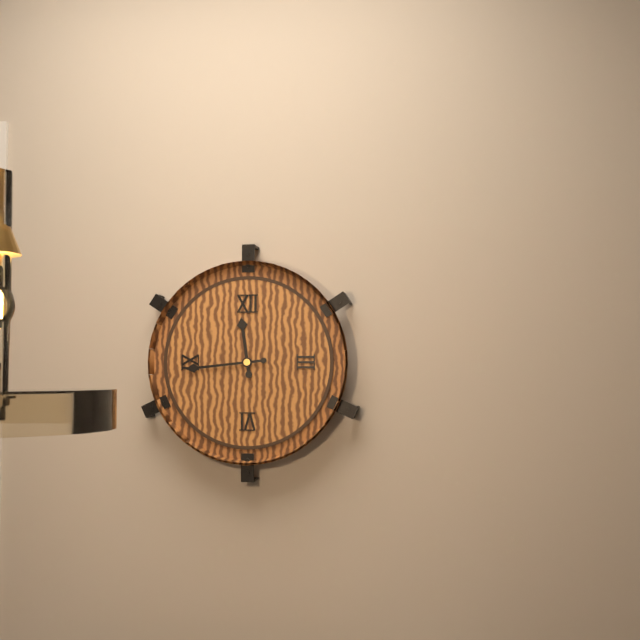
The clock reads 11 h 44 min
